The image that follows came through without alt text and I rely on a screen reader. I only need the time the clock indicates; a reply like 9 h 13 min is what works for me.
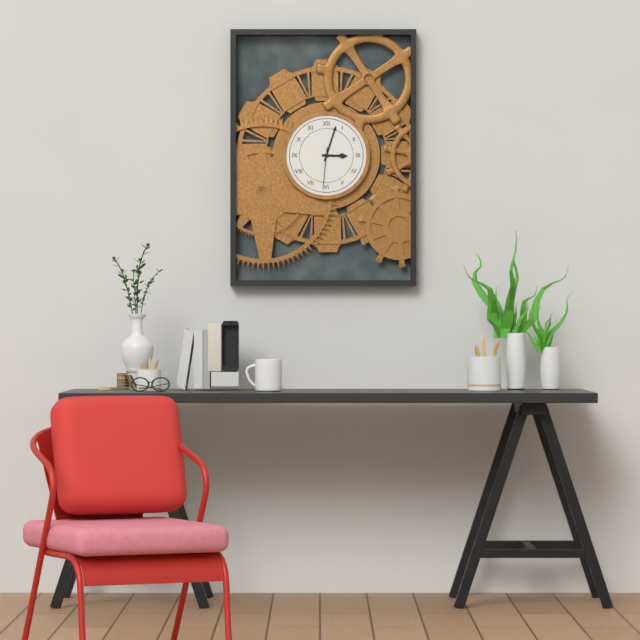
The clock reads 3 h 03 min
